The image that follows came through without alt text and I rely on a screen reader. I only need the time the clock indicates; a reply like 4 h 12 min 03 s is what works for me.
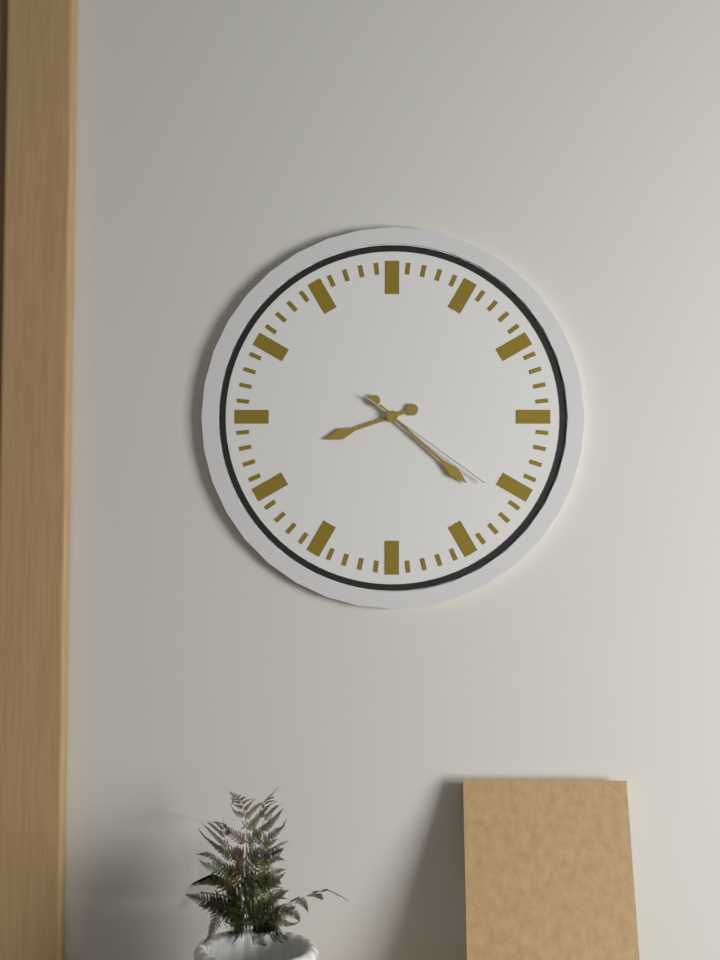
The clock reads 8 h 22 min 21 s
